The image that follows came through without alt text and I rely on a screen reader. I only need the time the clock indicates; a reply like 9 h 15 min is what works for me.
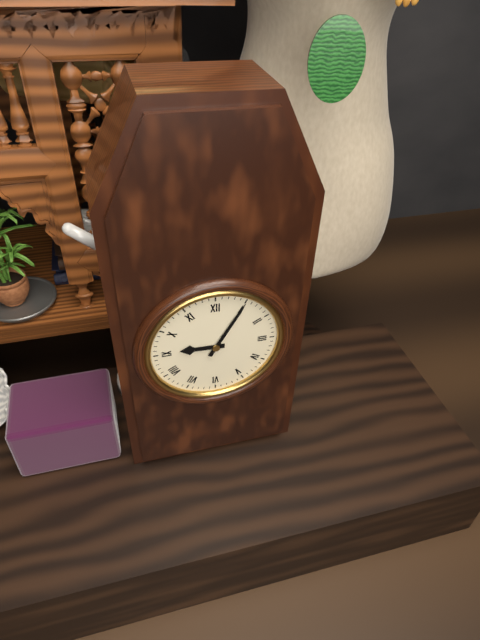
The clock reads 9 h 05 min
